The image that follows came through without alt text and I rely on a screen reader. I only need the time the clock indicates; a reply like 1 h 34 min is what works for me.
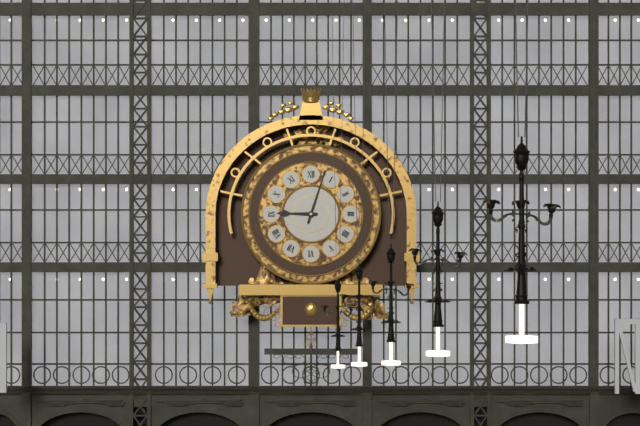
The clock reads 9 h 03 min
